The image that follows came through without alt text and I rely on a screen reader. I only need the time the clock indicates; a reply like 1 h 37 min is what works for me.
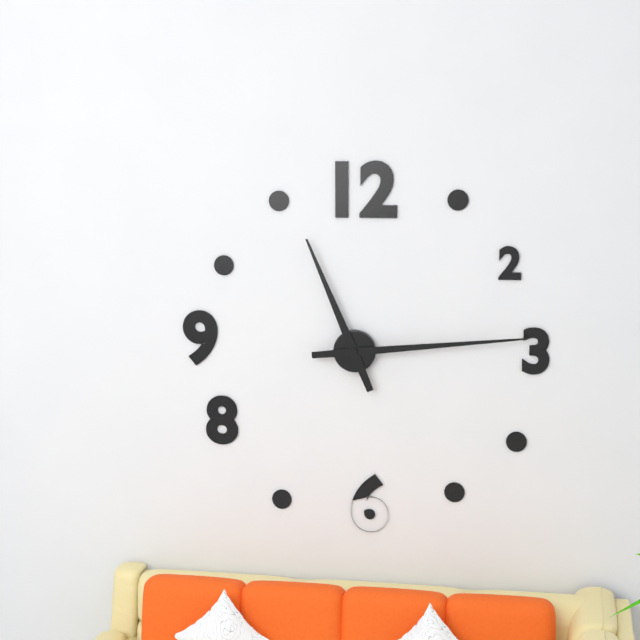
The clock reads 11 h 14 min
